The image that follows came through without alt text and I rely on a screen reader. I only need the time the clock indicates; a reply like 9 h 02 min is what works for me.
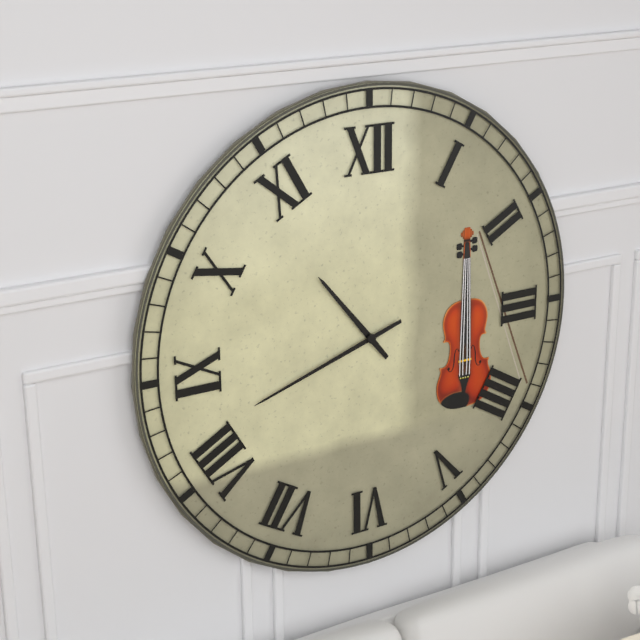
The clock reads 10 h 42 min
